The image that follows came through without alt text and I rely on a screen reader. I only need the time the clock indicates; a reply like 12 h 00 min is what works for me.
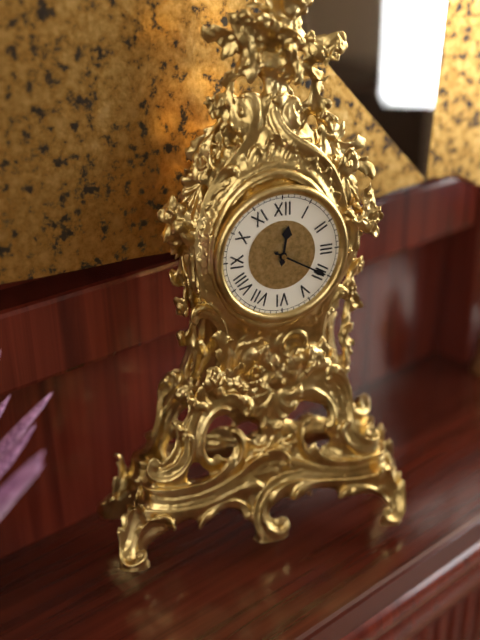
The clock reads 12 h 20 min
